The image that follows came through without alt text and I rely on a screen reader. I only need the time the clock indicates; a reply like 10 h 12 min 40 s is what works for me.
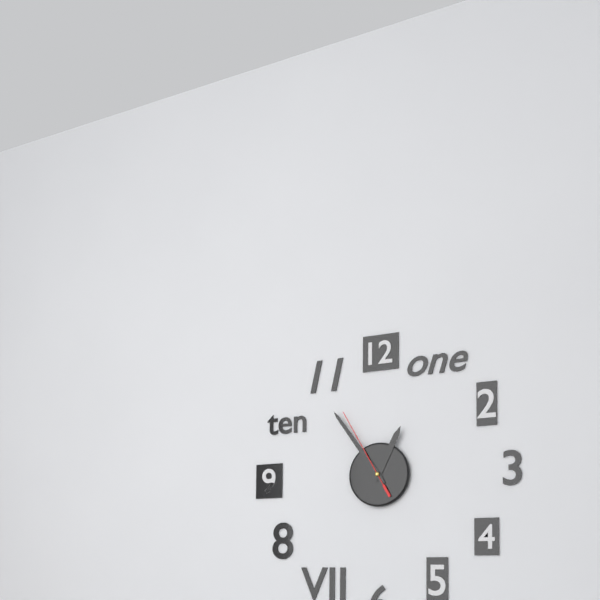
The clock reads 12 h 54 min 55 s
